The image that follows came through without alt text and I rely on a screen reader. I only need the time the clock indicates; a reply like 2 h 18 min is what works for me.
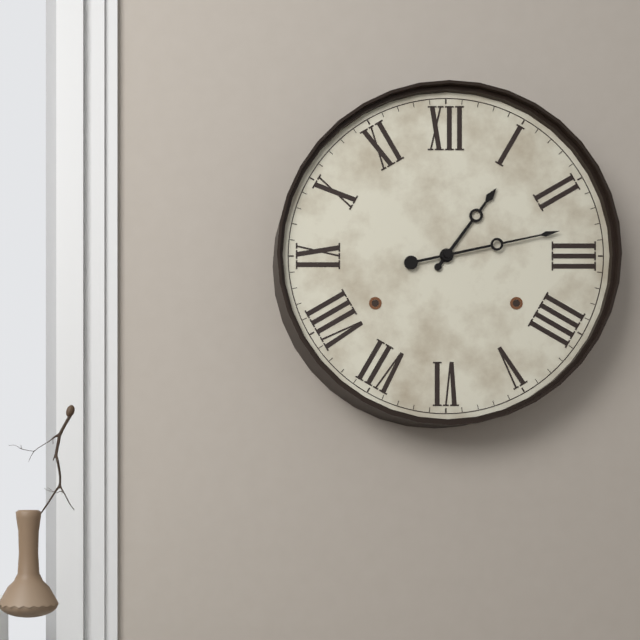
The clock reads 1 h 13 min
